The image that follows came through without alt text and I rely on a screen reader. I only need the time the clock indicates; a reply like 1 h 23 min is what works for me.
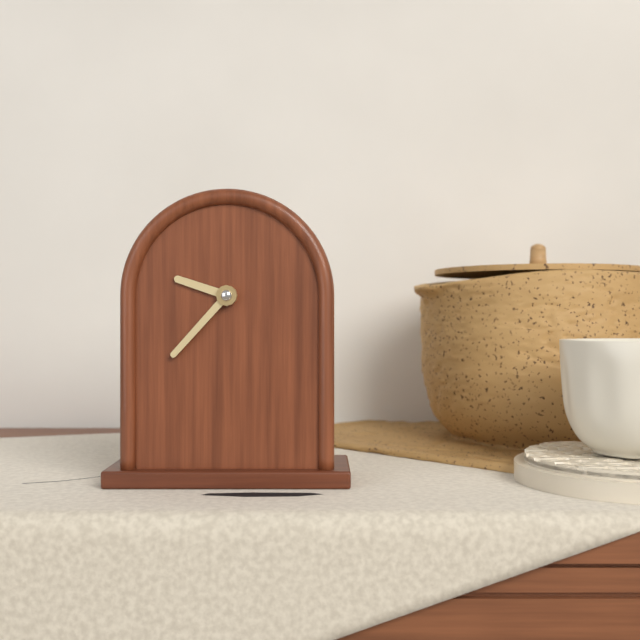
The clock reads 9 h 37 min
